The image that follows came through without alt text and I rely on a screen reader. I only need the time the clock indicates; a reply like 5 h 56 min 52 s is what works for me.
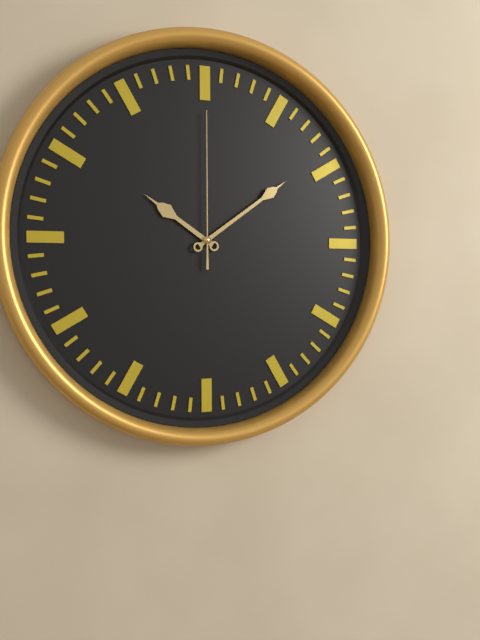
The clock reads 10 h 09 min 00 s
